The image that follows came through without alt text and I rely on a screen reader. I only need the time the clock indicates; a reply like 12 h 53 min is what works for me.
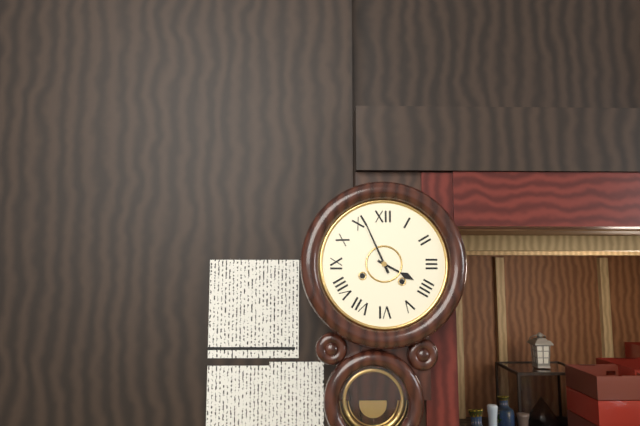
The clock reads 3 h 56 min
